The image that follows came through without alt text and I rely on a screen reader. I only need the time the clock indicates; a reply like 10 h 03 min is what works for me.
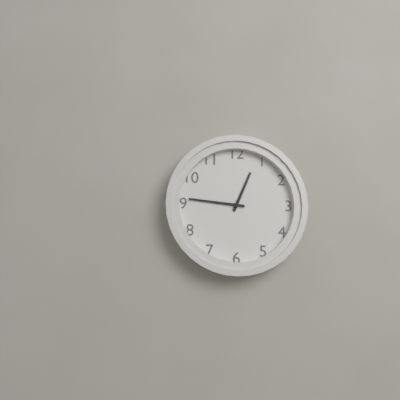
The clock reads 12 h 46 min
